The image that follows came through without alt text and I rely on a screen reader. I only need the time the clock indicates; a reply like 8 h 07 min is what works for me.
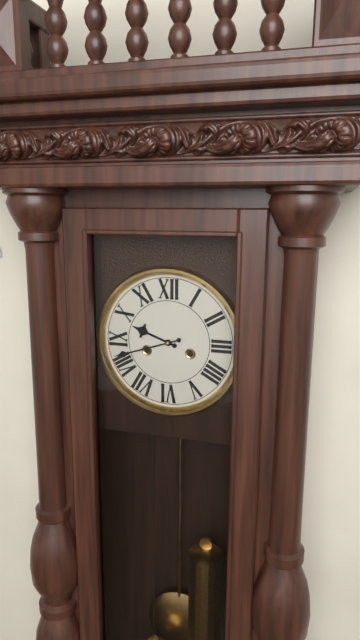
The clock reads 9 h 42 min
